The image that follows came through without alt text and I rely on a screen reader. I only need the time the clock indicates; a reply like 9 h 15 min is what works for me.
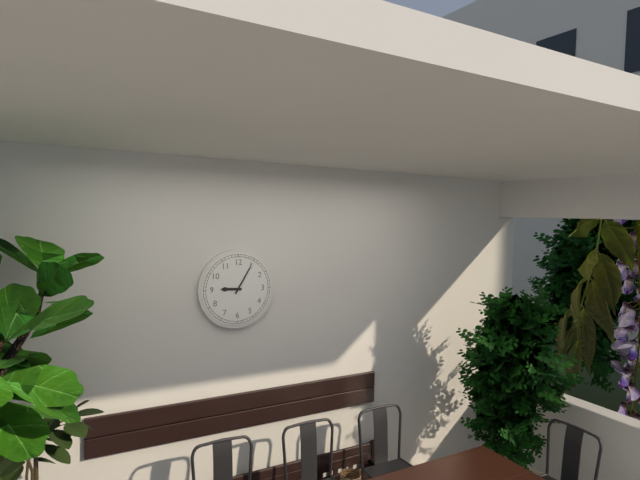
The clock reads 9 h 05 min
